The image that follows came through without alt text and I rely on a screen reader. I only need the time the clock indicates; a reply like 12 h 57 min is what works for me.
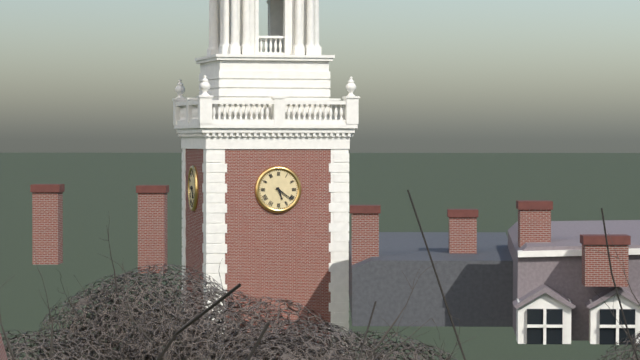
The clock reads 5 h 21 min
